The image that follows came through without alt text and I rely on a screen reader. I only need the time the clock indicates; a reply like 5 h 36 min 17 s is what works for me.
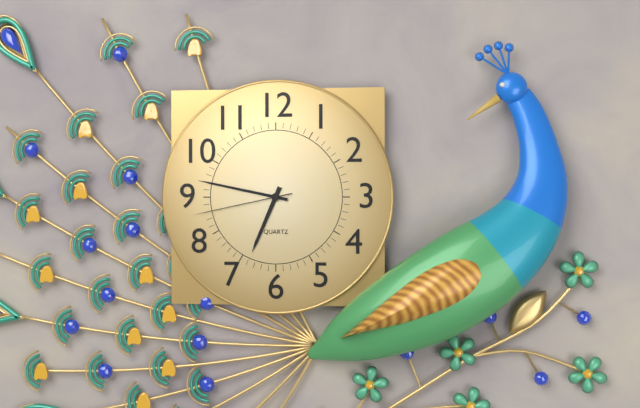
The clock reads 6 h 47 min 43 s
